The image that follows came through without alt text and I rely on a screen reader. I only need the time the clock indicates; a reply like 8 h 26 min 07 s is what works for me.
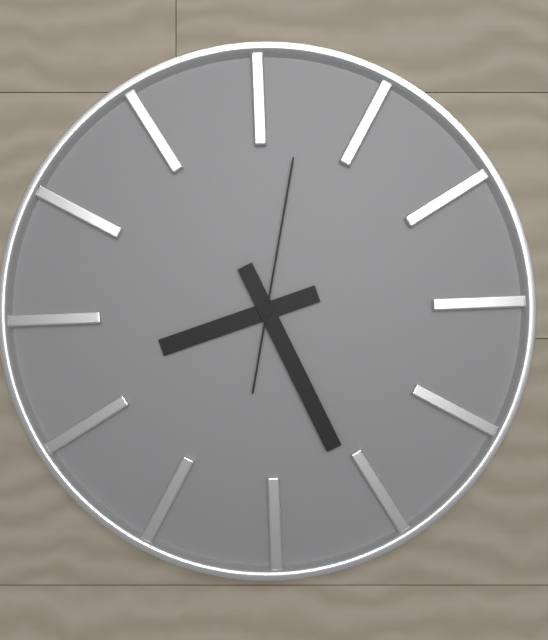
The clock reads 8 h 26 min 02 s
